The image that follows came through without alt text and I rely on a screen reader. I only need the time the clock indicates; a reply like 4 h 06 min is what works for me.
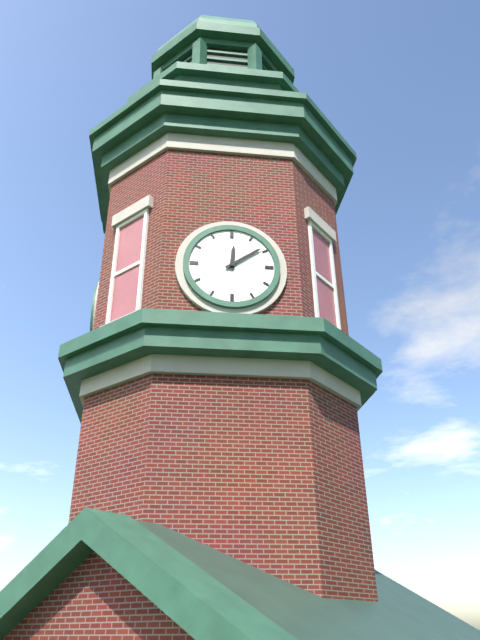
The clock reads 12 h 09 min
